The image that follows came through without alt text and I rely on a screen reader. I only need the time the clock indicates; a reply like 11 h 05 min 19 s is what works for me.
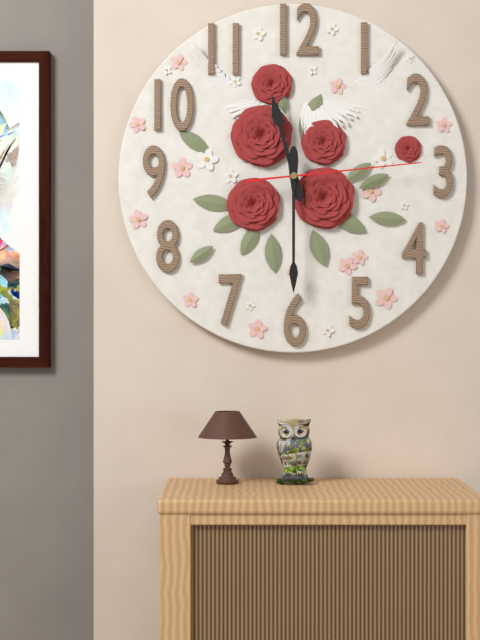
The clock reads 11 h 30 min 14 s
